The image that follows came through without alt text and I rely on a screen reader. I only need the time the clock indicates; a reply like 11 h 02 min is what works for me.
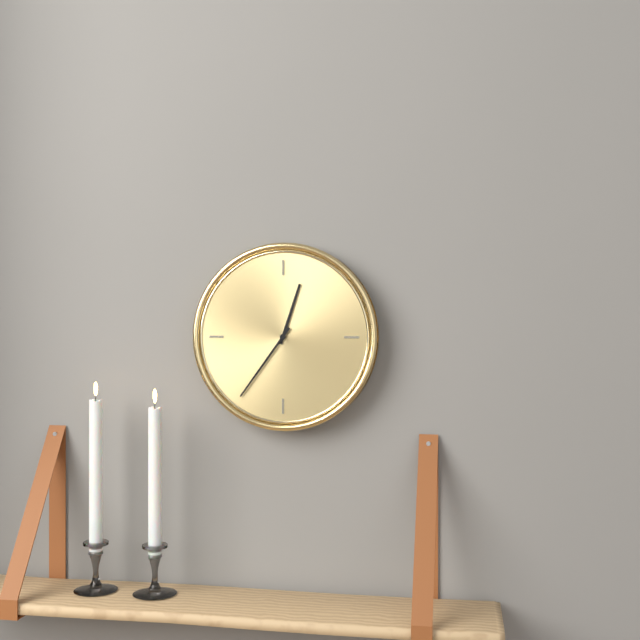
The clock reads 12 h 36 min
